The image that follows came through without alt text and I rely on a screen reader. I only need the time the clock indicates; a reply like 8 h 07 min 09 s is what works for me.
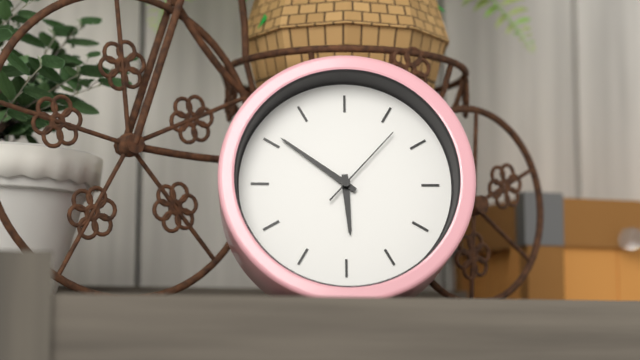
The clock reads 5 h 51 min 07 s
